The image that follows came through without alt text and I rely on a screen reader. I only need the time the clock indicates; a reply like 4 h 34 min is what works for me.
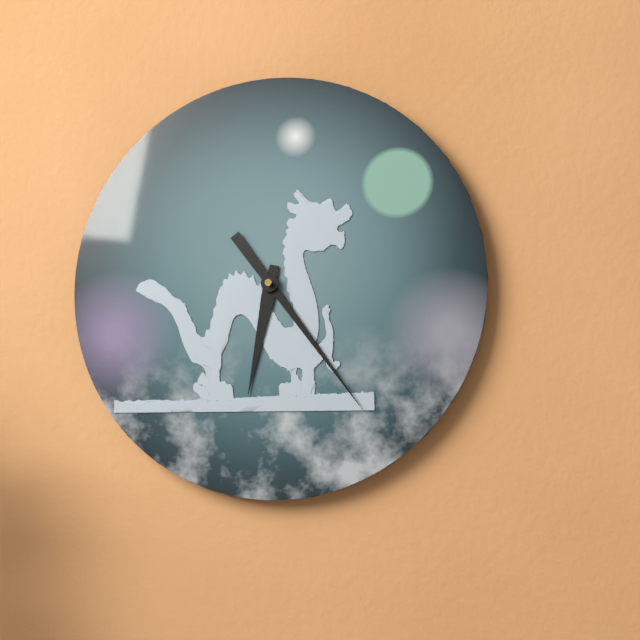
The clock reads 6 h 24 min
